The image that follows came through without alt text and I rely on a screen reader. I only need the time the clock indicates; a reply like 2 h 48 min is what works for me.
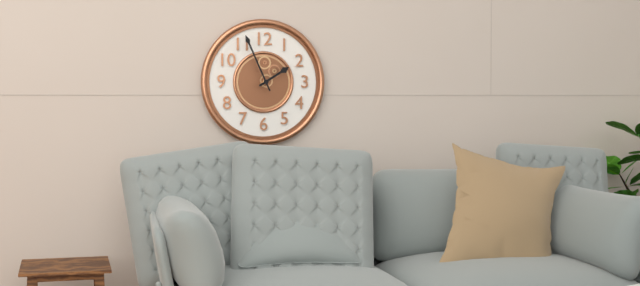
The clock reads 1 h 56 min
